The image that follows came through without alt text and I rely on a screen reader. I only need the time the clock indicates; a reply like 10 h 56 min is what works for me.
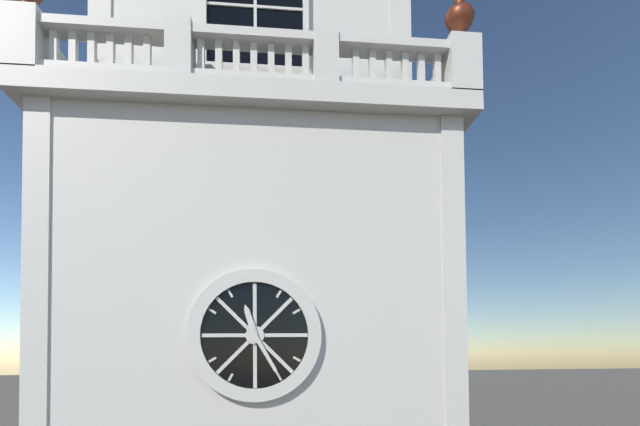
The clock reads 11 h 25 min
